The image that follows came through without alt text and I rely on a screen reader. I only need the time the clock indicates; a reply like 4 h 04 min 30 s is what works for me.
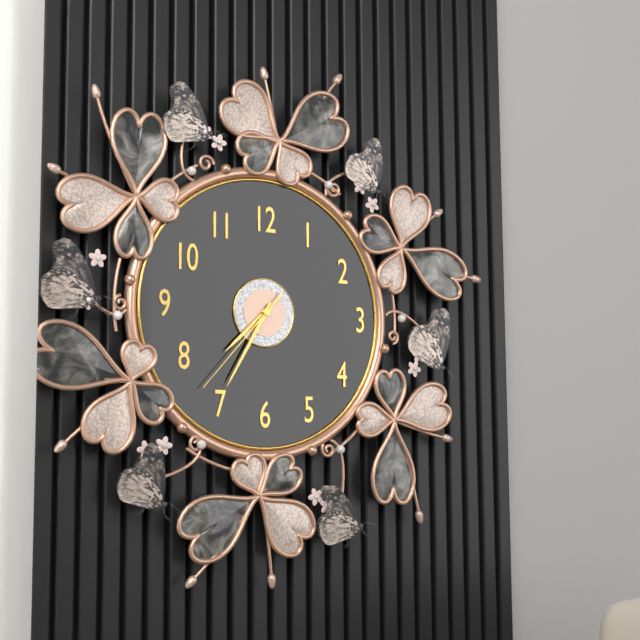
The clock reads 7 h 35 min 37 s
